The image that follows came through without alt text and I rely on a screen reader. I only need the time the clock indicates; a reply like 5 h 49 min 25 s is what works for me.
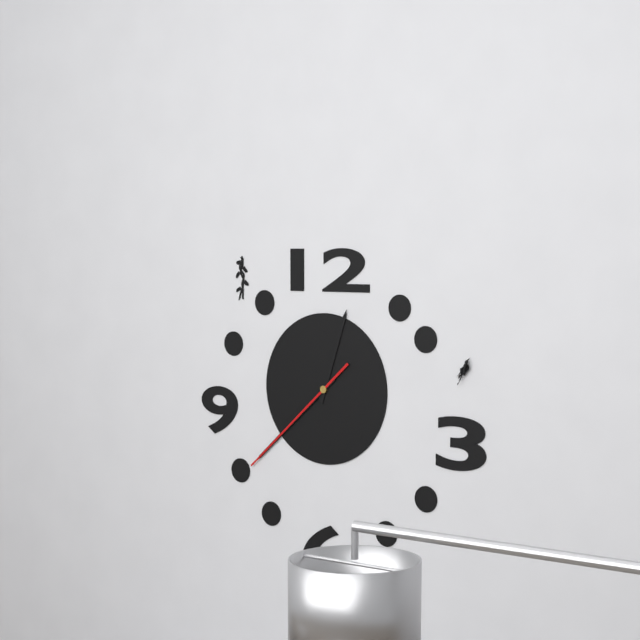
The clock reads 12 h 38 min 38 s
